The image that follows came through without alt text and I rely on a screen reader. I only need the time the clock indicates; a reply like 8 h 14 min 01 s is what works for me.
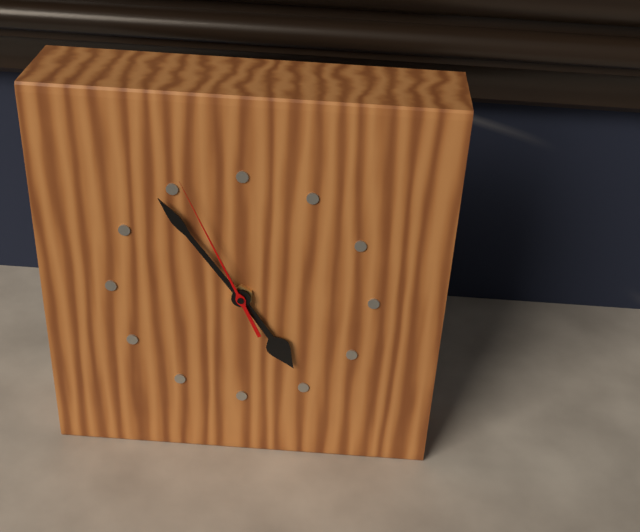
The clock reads 4 h 54 min 56 s
